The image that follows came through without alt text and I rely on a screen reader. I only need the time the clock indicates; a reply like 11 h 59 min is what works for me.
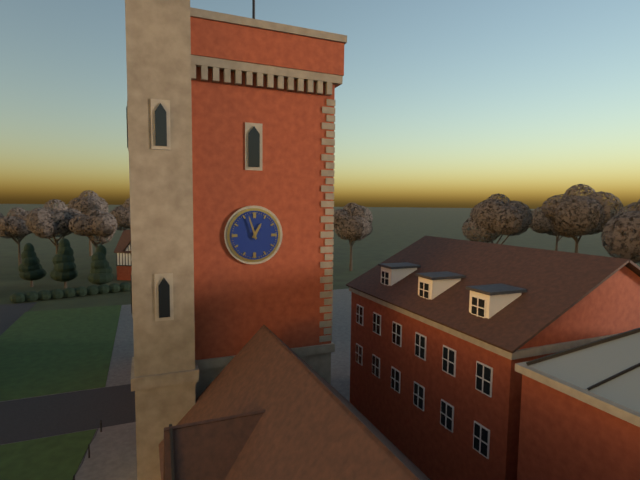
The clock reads 12 h 57 min
